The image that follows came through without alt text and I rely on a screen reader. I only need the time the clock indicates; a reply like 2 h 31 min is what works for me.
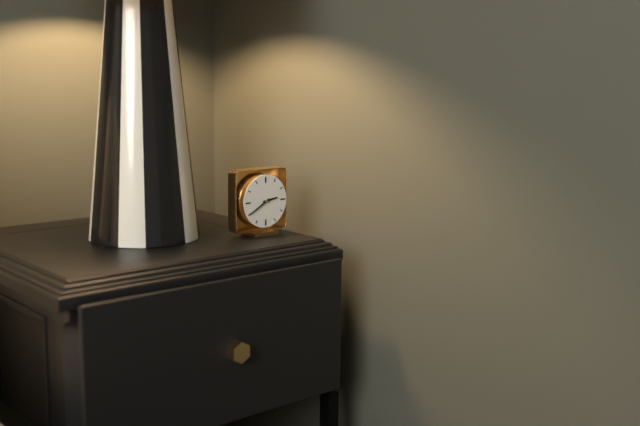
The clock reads 2 h 40 min
